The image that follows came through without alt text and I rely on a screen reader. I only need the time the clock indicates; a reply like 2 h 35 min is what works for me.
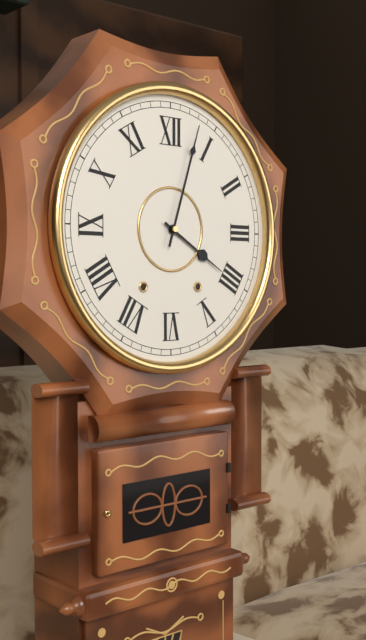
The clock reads 4 h 03 min
